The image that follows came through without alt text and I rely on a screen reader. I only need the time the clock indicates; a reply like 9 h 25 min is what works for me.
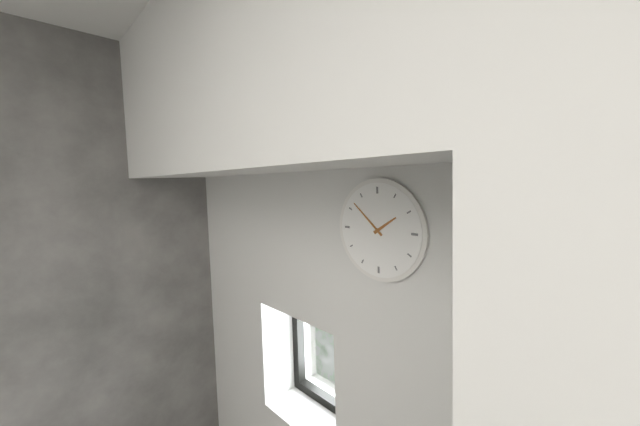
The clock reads 1 h 52 min
